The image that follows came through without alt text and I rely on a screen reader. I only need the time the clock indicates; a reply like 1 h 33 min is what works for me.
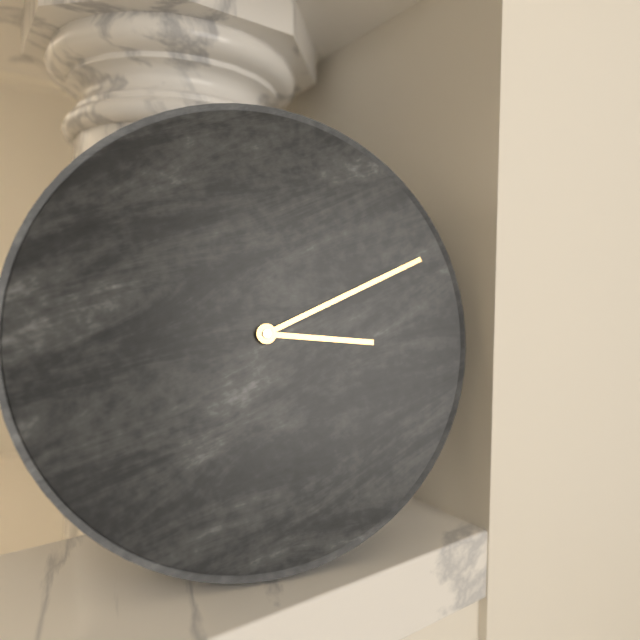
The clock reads 3 h 11 min
